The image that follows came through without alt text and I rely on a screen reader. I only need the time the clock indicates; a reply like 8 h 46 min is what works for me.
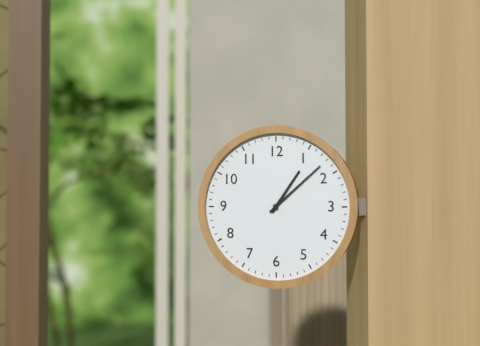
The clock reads 1 h 08 min
